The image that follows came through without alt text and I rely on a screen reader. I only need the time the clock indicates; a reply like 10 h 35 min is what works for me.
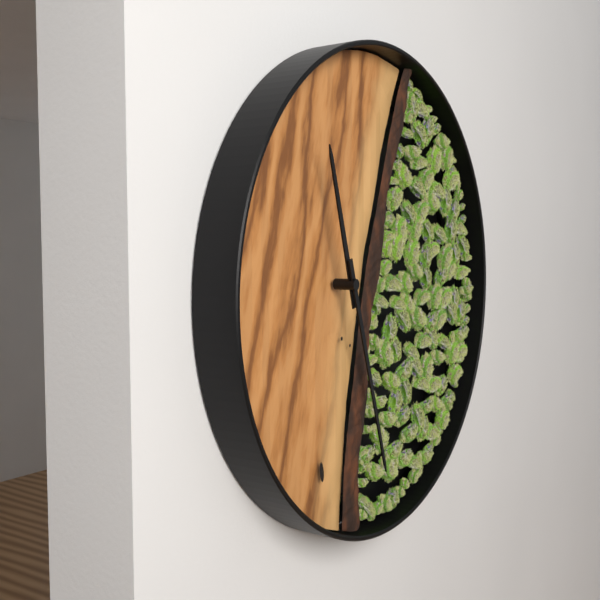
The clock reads 11 h 27 min
